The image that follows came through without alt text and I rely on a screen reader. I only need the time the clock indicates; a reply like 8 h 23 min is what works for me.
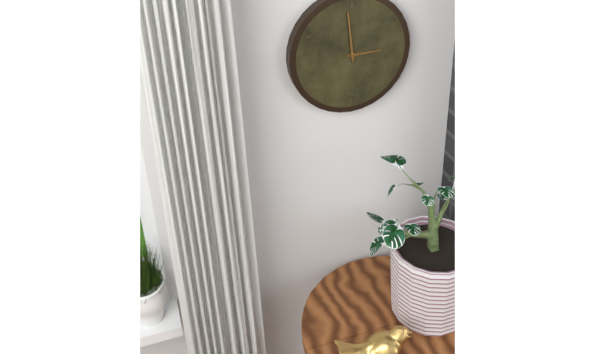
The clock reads 2 h 59 min
